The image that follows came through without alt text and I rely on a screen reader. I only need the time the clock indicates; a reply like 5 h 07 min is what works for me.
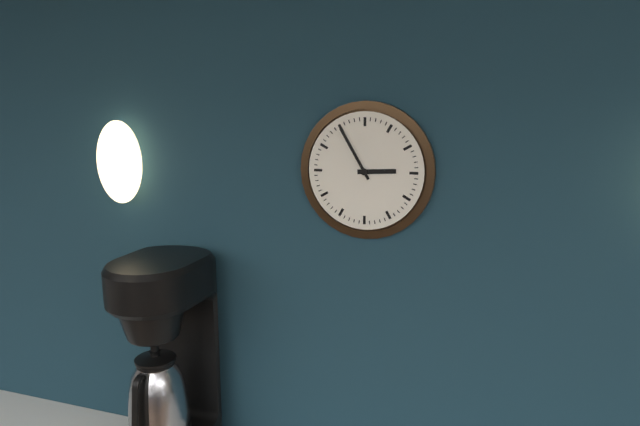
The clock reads 2 h 55 min
